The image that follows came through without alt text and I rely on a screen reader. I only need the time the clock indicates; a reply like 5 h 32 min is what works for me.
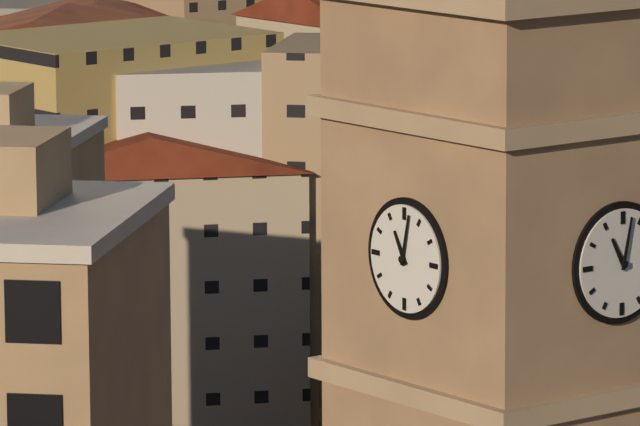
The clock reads 11 h 02 min
